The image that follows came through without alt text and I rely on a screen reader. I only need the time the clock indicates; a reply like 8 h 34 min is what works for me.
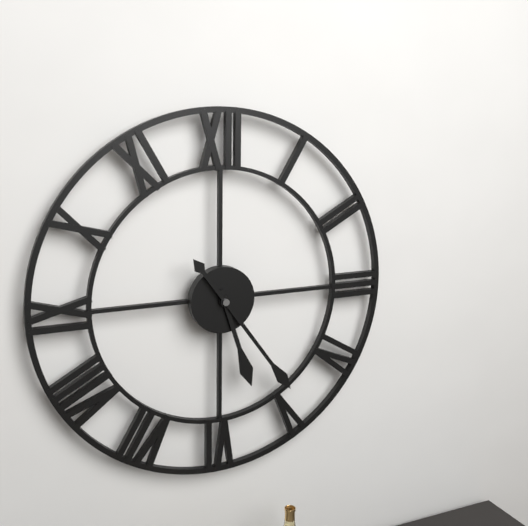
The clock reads 5 h 24 min
